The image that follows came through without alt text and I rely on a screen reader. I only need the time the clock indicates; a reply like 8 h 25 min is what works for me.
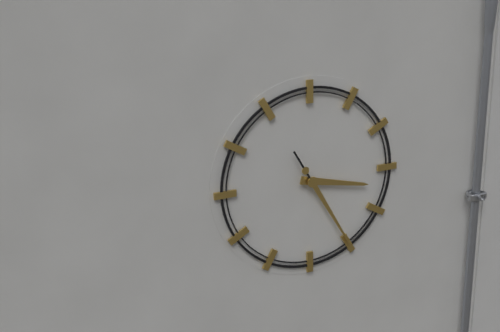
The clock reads 3 h 25 min
